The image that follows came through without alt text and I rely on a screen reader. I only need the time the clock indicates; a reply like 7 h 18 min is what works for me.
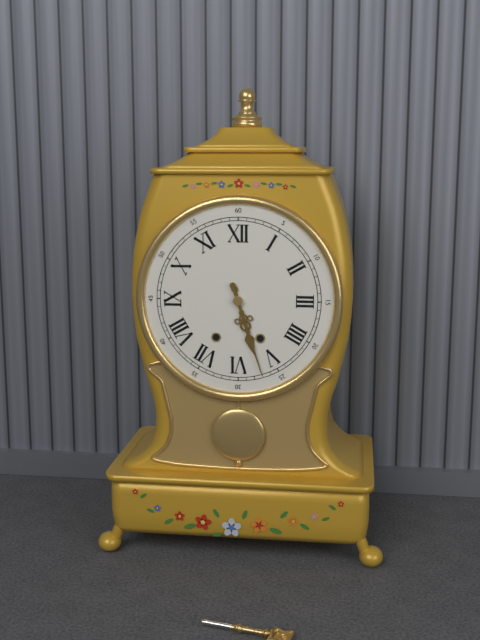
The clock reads 5 h 27 min
